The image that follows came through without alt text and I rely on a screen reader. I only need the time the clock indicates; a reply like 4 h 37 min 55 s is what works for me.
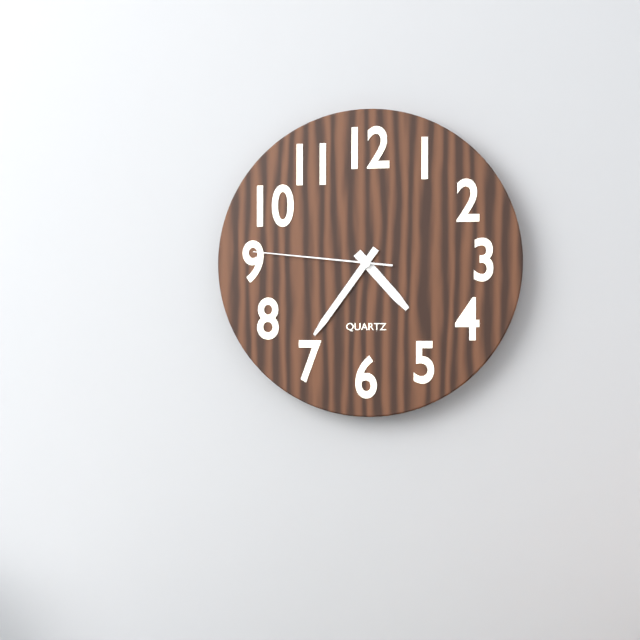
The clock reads 4 h 36 min 46 s
